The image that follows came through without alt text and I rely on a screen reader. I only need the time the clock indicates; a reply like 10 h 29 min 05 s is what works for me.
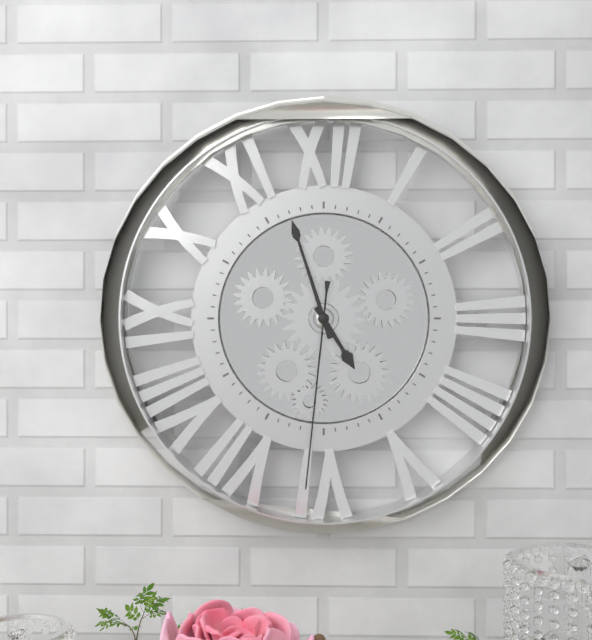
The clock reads 4 h 57 min 31 s
